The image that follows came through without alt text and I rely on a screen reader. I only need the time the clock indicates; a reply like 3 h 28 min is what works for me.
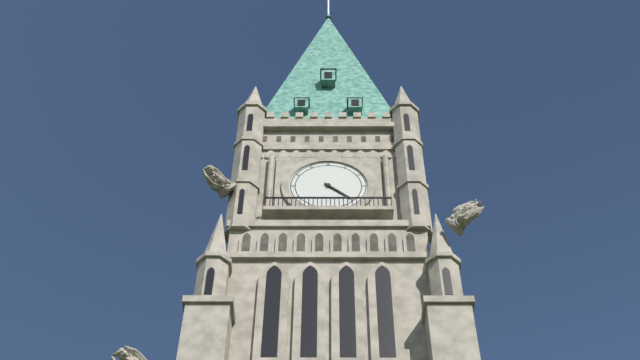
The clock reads 4 h 22 min
